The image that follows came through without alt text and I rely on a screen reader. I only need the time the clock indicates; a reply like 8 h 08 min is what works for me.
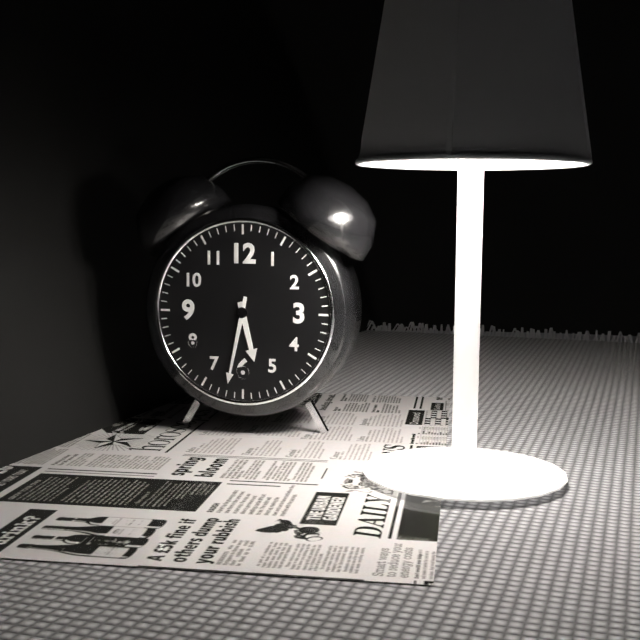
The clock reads 5 h 32 min
